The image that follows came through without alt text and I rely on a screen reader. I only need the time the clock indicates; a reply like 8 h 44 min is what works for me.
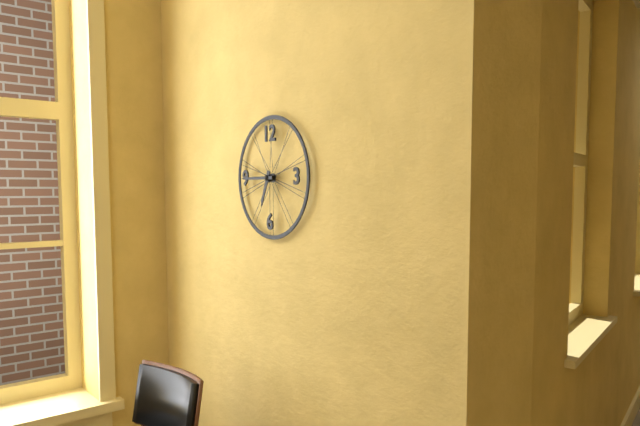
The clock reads 6 h 45 min
